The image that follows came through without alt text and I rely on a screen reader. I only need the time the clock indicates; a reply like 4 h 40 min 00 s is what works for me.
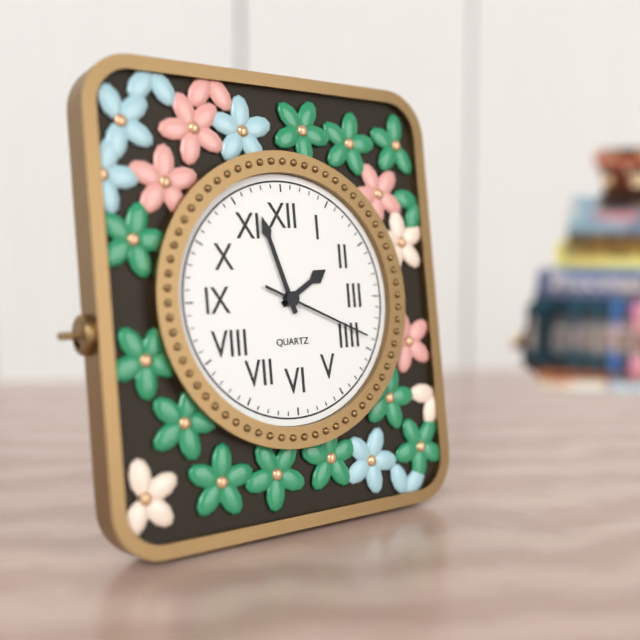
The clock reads 1 h 57 min 19 s
